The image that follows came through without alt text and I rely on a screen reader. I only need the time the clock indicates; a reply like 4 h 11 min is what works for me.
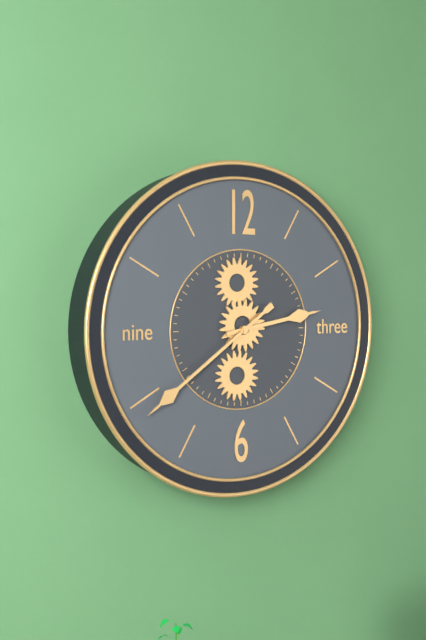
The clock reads 2 h 39 min
